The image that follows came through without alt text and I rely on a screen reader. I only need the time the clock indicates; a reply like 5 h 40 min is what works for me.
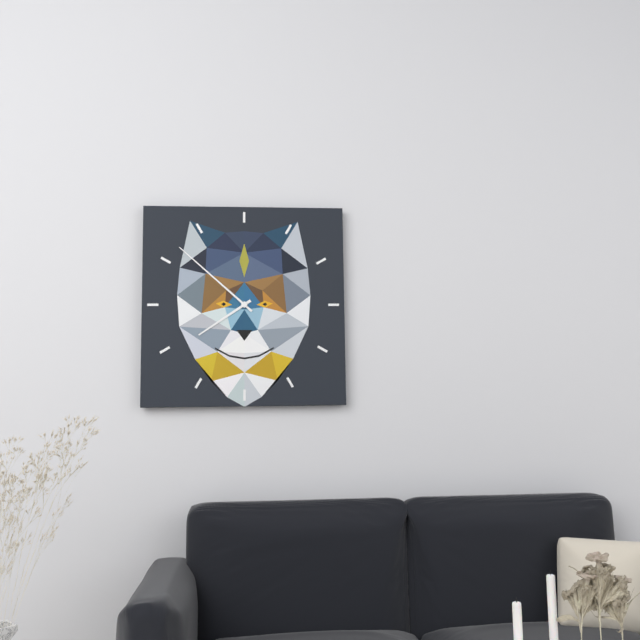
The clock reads 7 h 52 min
